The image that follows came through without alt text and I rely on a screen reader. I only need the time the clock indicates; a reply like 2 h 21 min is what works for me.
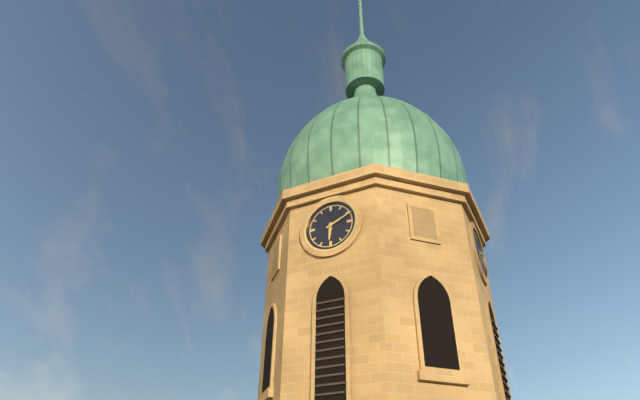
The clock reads 6 h 11 min
